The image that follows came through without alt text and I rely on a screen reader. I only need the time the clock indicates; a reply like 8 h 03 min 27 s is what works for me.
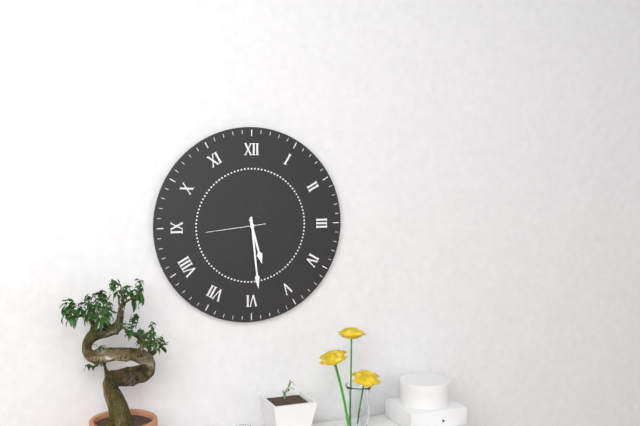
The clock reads 5 h 29 min 44 s
